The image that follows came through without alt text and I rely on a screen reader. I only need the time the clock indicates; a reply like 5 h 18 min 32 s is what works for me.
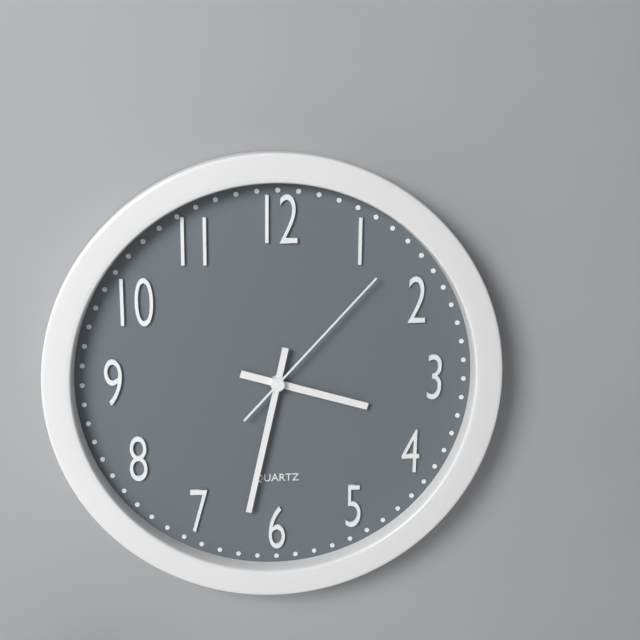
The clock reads 3 h 32 min 07 s
